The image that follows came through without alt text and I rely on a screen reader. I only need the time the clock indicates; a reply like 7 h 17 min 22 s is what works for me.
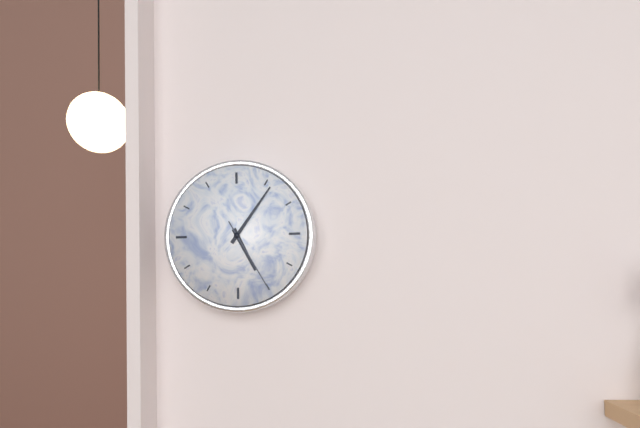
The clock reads 5 h 06 min 25 s
